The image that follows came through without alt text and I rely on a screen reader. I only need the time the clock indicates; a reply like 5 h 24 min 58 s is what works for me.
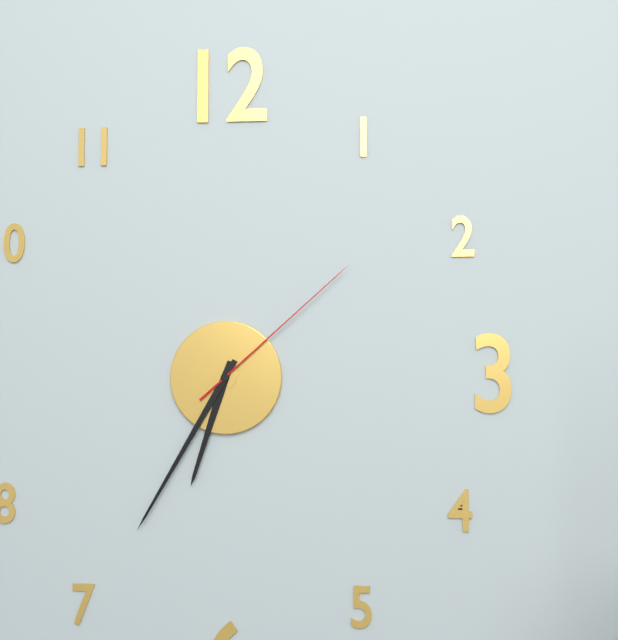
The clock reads 6 h 35 min 08 s
